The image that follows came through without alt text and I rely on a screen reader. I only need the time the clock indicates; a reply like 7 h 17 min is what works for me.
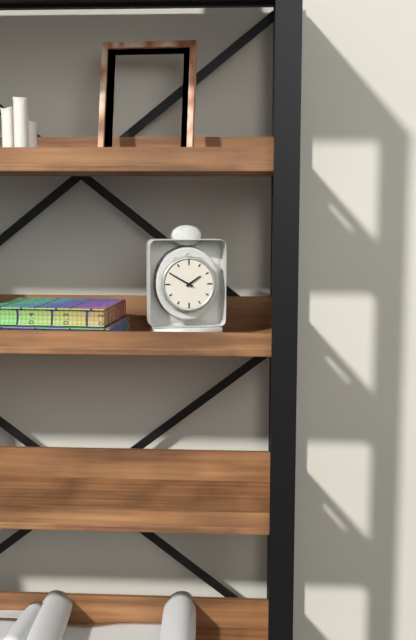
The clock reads 1 h 50 min
